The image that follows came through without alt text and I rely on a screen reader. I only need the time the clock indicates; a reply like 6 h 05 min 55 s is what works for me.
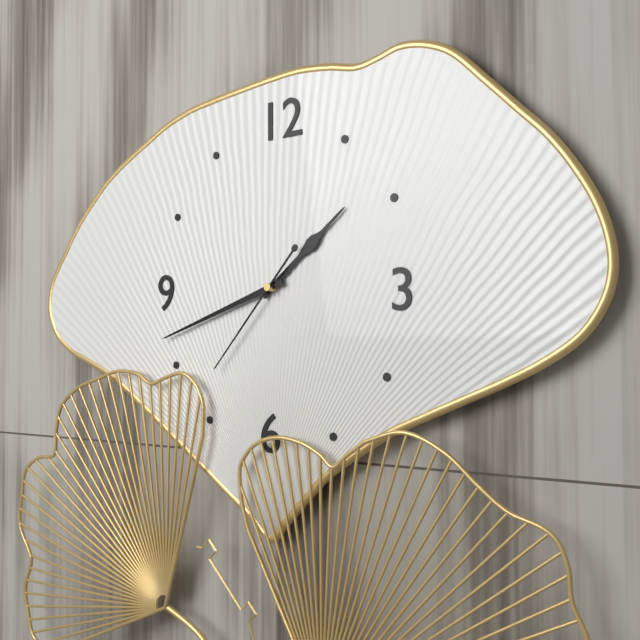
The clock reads 1 h 42 min 37 s
